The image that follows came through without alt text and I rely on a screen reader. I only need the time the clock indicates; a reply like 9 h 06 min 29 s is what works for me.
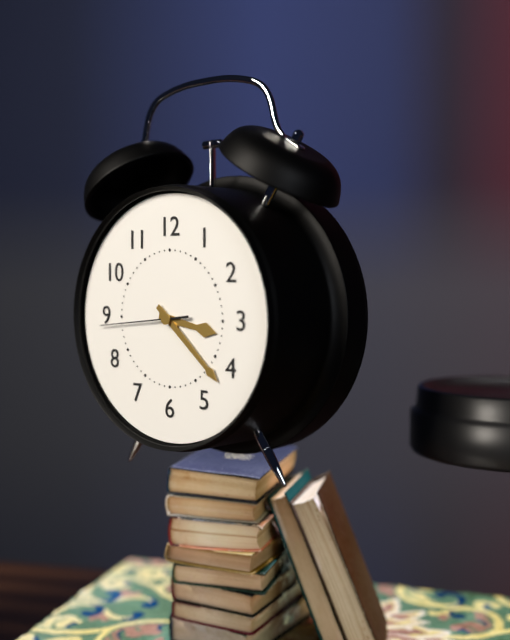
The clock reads 3 h 22 min 44 s
